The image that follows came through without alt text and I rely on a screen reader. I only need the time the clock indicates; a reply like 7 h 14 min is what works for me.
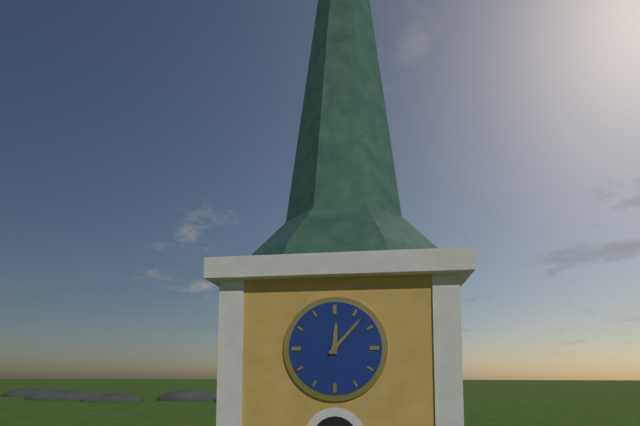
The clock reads 12 h 07 min
